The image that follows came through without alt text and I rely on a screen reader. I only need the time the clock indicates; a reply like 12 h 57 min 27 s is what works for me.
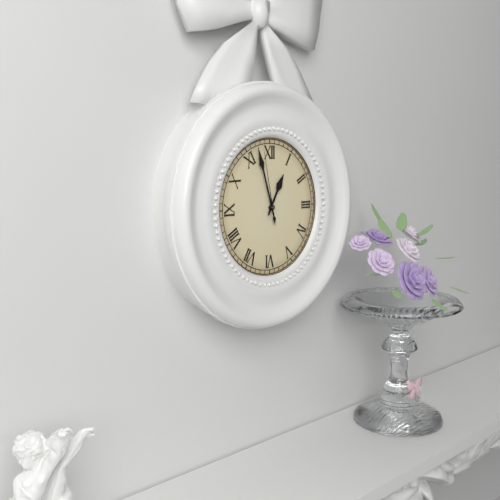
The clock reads 12 h 57 min 58 s
